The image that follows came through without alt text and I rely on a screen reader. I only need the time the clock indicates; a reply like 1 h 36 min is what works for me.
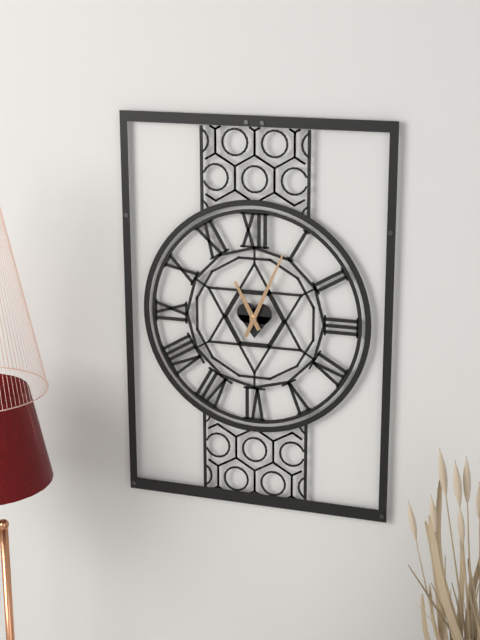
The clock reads 11 h 04 min
